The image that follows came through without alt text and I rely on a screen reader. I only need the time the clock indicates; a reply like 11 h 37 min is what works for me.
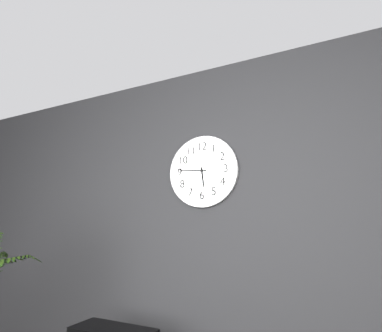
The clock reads 5 h 46 min
